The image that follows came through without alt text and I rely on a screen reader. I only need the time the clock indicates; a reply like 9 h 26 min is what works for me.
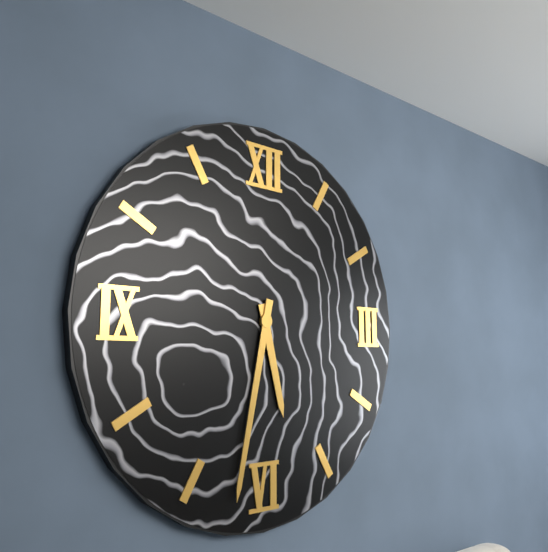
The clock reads 5 h 32 min
